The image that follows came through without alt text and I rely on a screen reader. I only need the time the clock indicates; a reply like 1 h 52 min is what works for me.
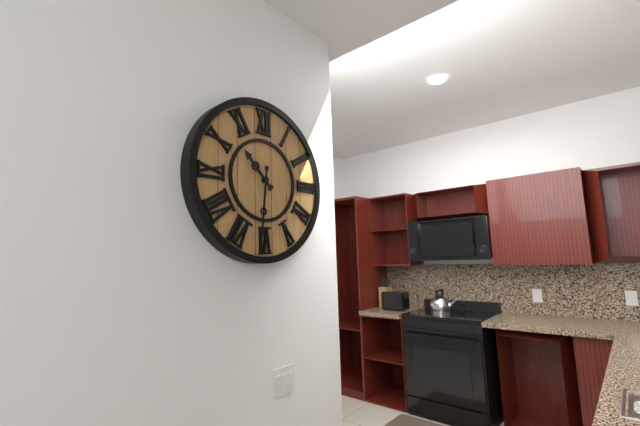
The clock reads 10 h 31 min
